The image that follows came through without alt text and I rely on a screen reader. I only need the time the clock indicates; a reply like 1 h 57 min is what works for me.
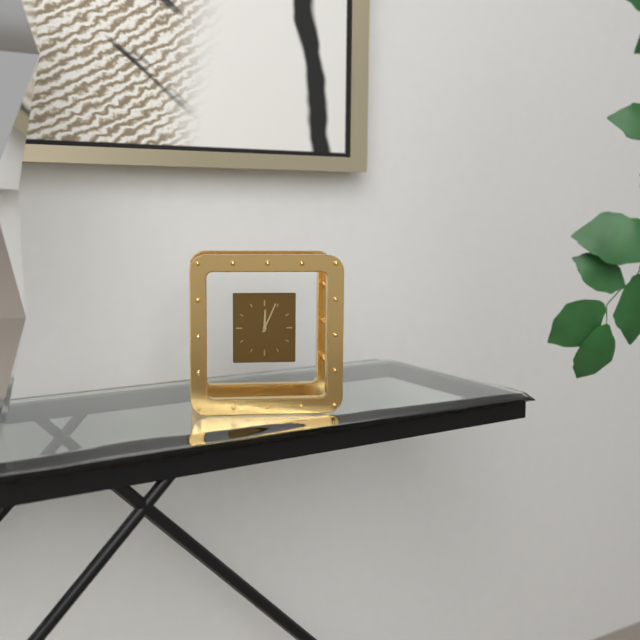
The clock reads 12 h 04 min
